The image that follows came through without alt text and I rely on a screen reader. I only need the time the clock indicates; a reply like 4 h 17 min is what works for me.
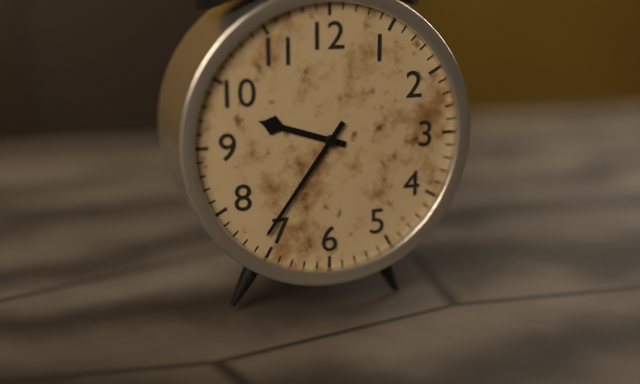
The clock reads 9 h 36 min
